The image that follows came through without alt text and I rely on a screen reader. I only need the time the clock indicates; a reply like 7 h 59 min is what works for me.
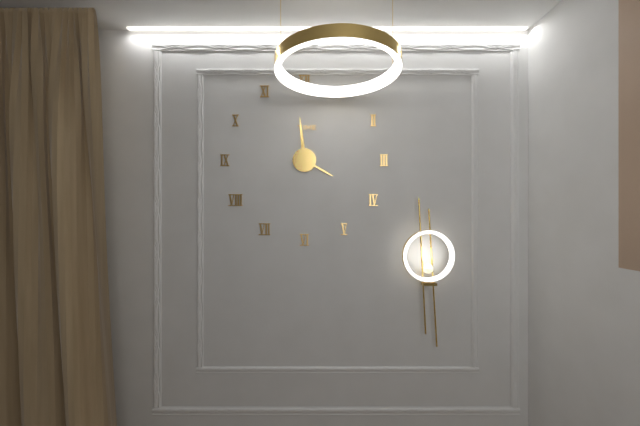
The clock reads 3 h 59 min
